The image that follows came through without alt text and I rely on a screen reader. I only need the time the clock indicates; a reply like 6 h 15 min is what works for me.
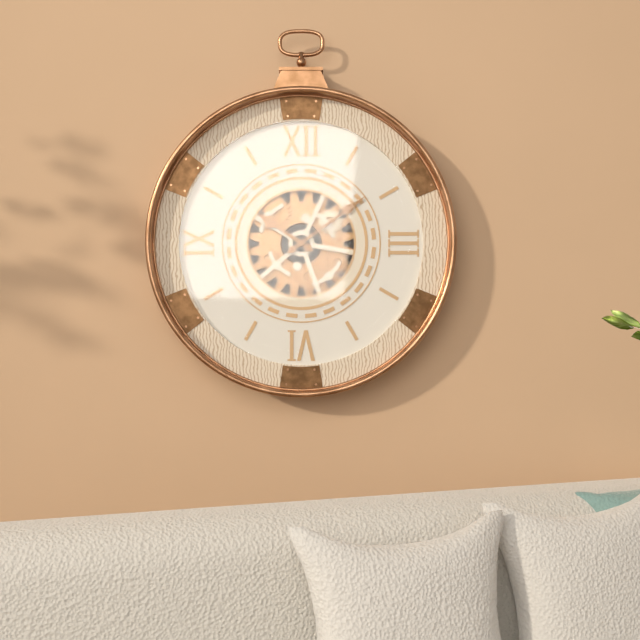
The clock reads 10 h 09 min
